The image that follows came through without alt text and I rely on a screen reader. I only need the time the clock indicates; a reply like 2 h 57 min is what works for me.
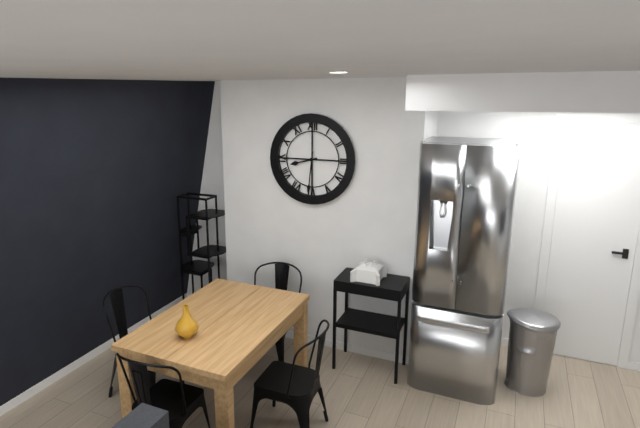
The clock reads 8 h 31 min
